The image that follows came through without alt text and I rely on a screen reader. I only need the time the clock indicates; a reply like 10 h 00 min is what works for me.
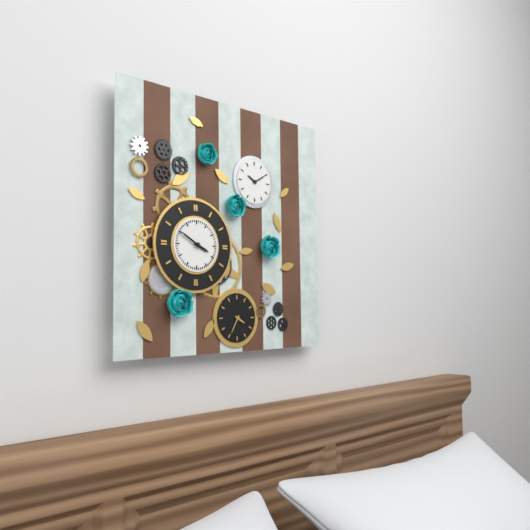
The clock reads 3 h 50 min
